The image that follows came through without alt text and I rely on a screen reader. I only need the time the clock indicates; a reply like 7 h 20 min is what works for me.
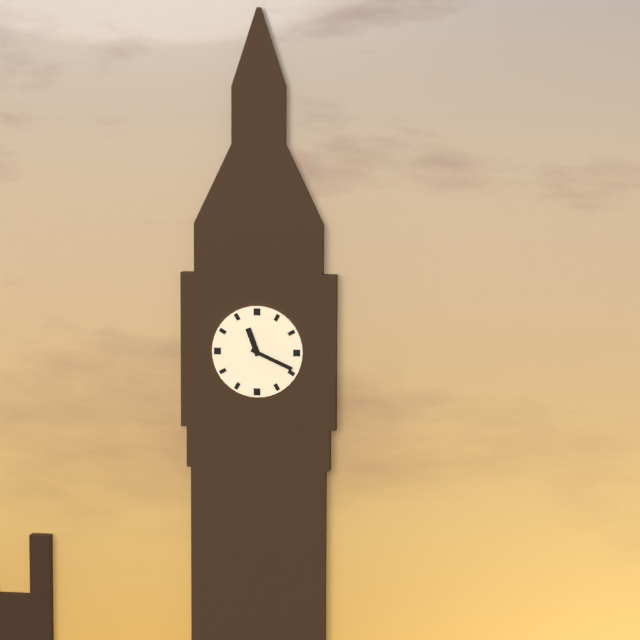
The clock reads 11 h 19 min
